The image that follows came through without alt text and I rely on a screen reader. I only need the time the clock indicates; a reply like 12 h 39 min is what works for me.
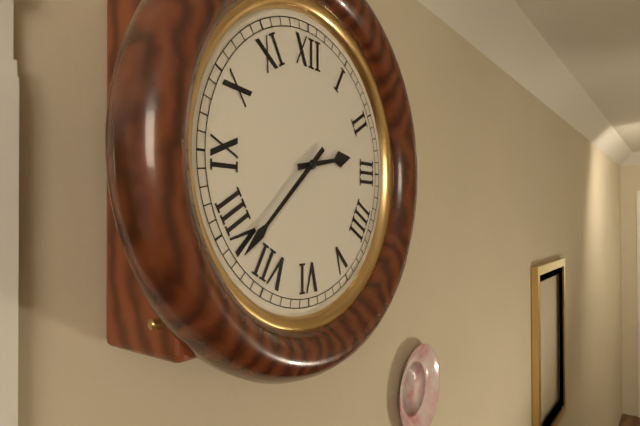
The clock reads 2 h 38 min
